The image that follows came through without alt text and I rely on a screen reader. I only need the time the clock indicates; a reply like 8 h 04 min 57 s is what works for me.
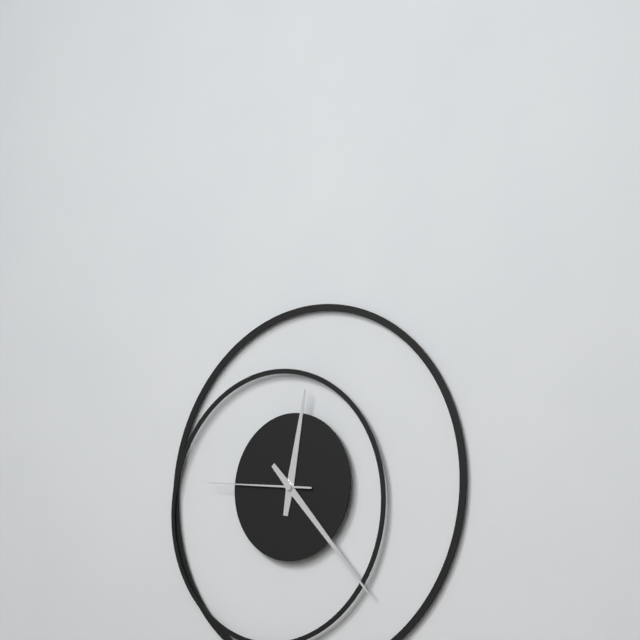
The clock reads 12 h 23 min 46 s
